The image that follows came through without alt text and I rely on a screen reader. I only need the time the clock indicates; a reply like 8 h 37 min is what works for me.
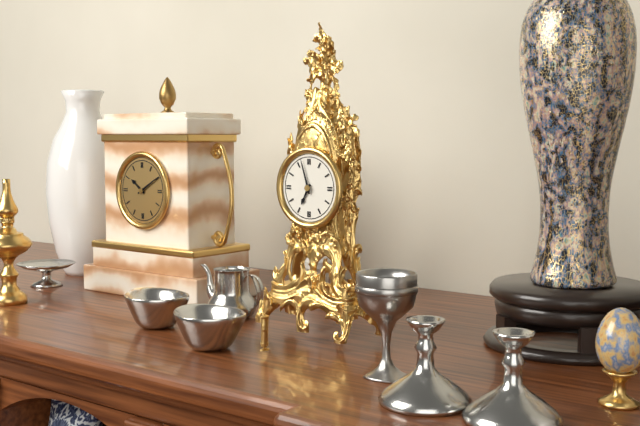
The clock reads 6 h 57 min
